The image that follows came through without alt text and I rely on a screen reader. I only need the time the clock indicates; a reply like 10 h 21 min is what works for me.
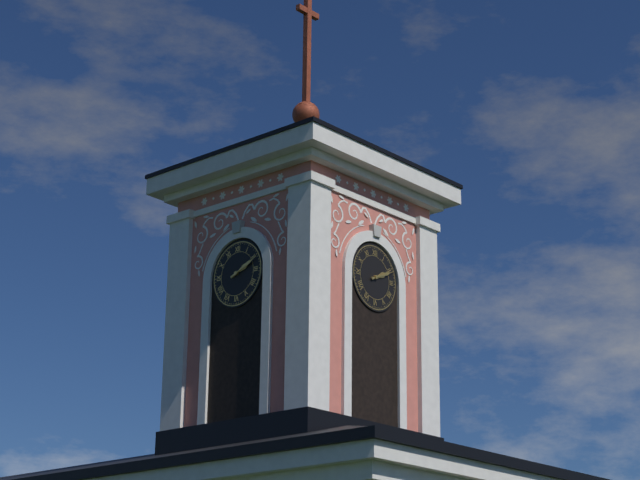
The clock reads 2 h 11 min
